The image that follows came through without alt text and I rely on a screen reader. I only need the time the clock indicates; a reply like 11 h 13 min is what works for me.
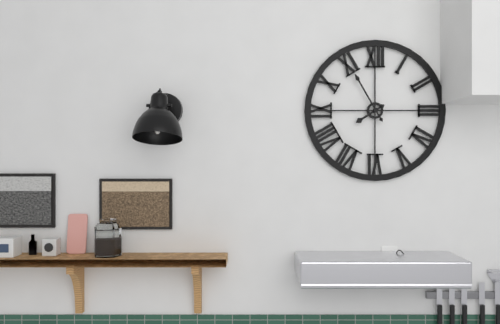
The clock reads 7 h 55 min
